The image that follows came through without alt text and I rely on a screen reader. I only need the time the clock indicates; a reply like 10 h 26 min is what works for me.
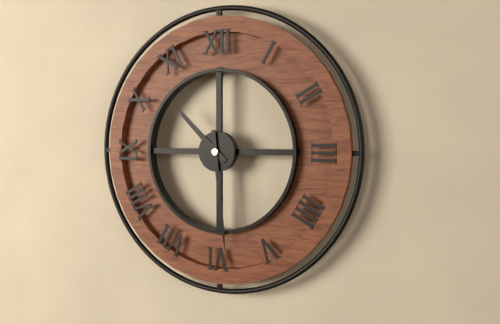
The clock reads 10 h 29 min
